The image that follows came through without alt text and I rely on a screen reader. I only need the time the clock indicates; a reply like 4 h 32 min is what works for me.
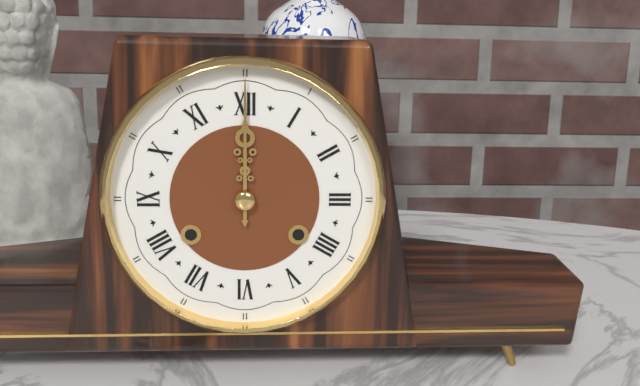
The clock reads 12 h 00 min
